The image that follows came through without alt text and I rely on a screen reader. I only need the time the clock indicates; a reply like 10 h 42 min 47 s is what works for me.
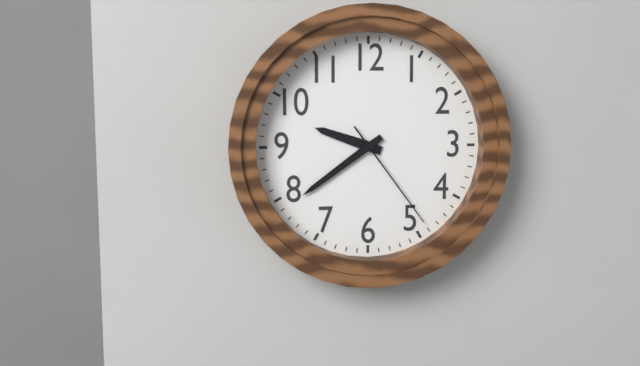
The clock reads 9 h 39 min 24 s
